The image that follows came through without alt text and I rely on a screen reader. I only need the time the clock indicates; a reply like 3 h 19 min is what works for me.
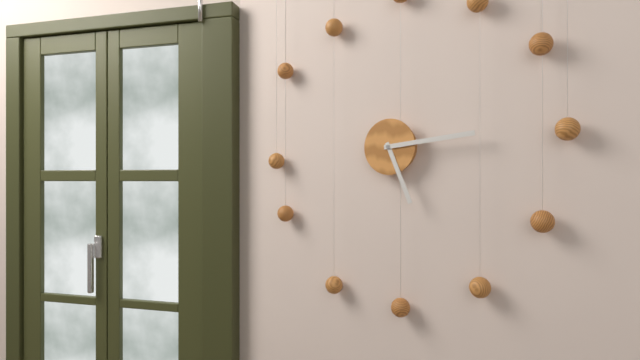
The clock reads 5 h 14 min
